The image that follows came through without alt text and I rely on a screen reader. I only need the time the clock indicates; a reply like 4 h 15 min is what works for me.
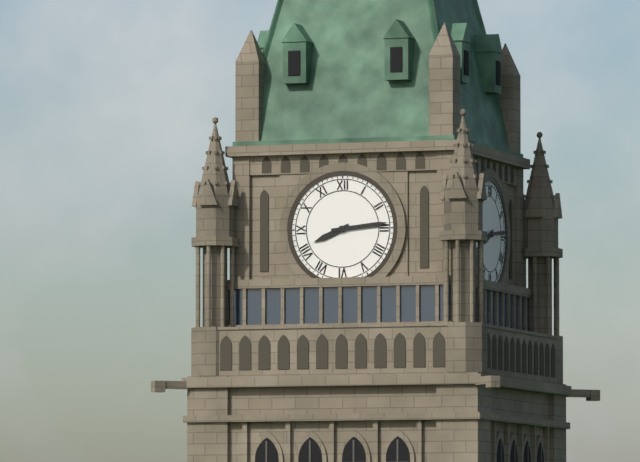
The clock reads 8 h 14 min
